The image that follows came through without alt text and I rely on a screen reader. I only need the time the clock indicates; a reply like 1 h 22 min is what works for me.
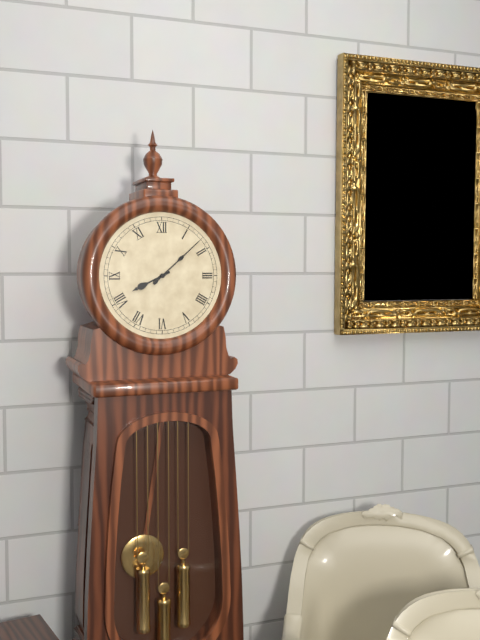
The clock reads 8 h 08 min
